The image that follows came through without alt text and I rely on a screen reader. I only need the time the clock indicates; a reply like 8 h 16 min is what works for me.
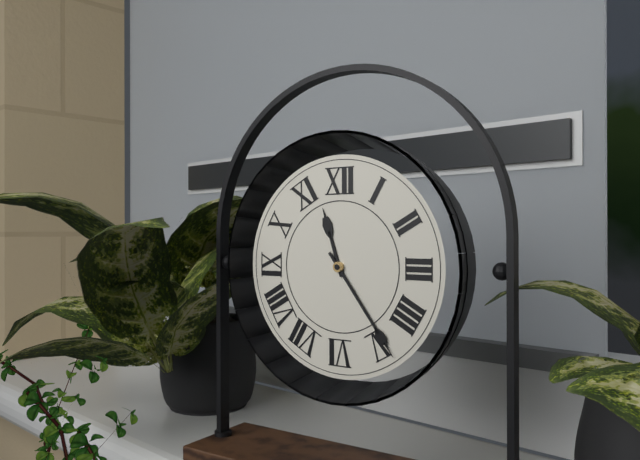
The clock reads 11 h 24 min
